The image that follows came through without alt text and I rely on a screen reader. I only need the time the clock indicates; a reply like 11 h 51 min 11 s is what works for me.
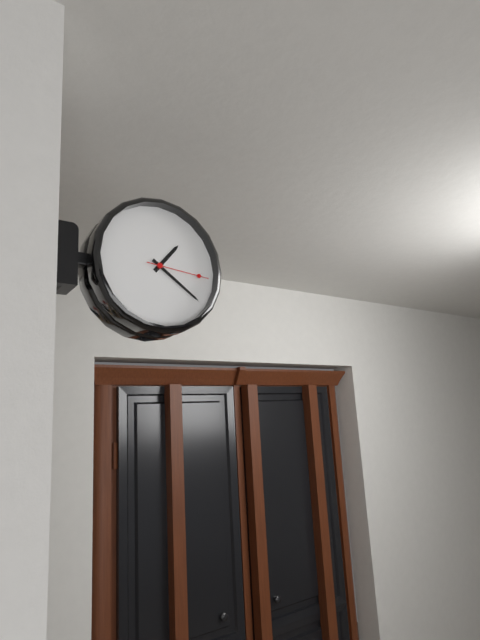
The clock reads 1 h 21 min 16 s
